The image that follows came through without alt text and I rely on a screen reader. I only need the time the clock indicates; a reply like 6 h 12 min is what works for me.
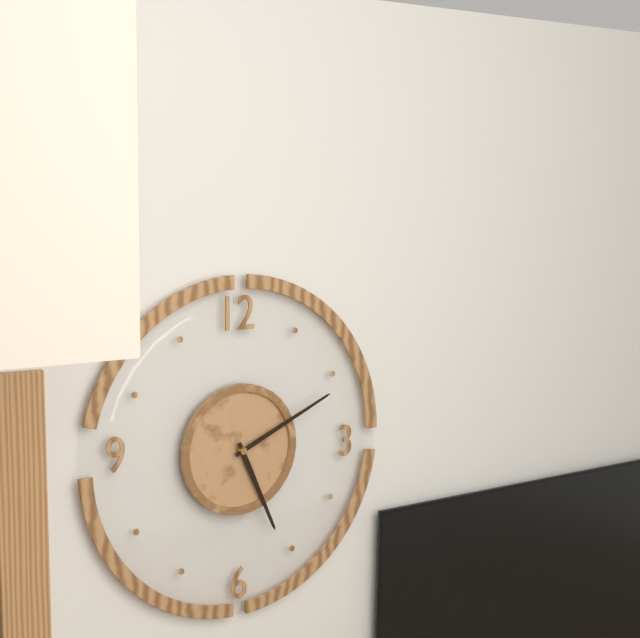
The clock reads 5 h 11 min
